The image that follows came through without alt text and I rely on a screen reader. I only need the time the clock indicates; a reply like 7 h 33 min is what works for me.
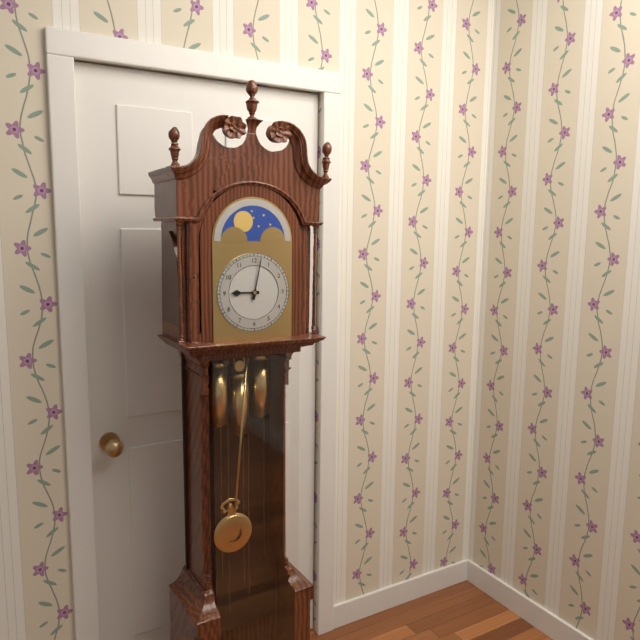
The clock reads 9 h 02 min
